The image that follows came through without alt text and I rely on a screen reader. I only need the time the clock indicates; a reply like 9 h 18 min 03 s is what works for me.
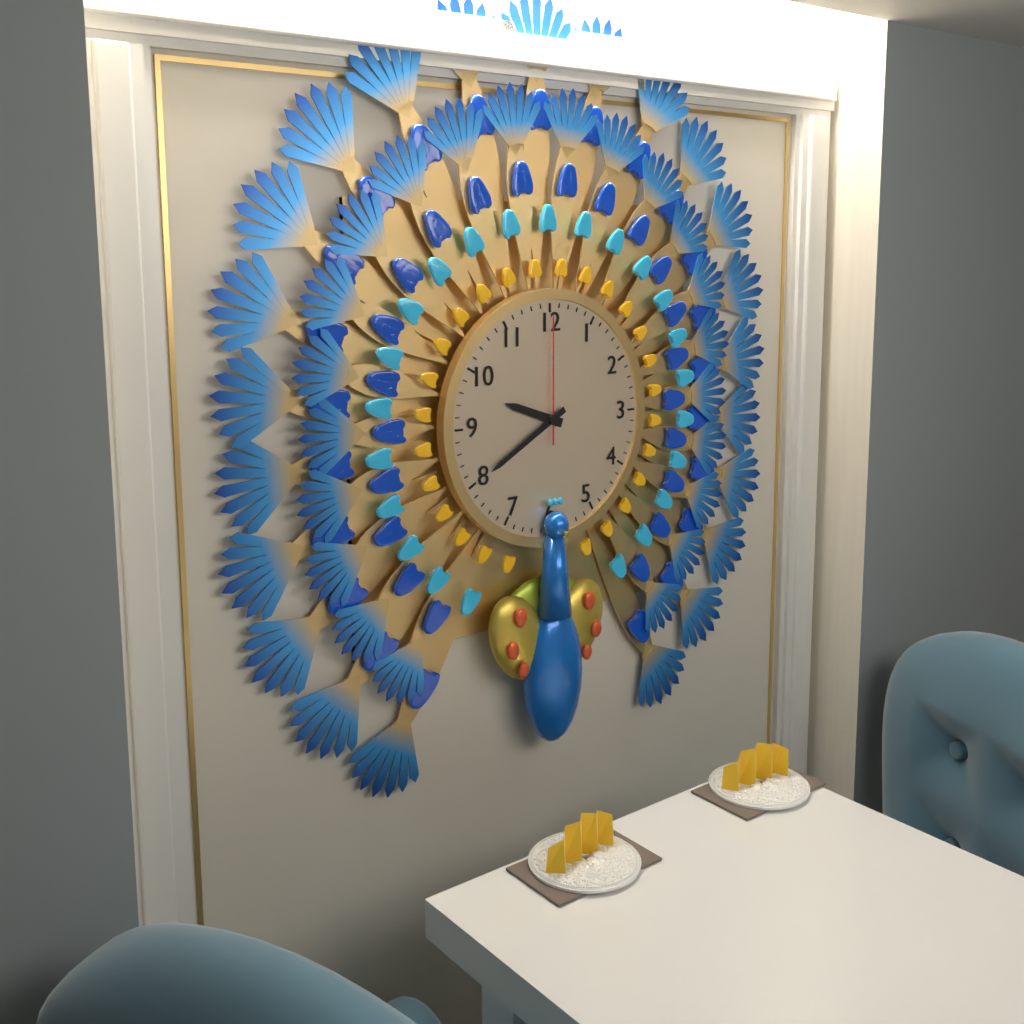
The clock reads 9 h 40 min 00 s
